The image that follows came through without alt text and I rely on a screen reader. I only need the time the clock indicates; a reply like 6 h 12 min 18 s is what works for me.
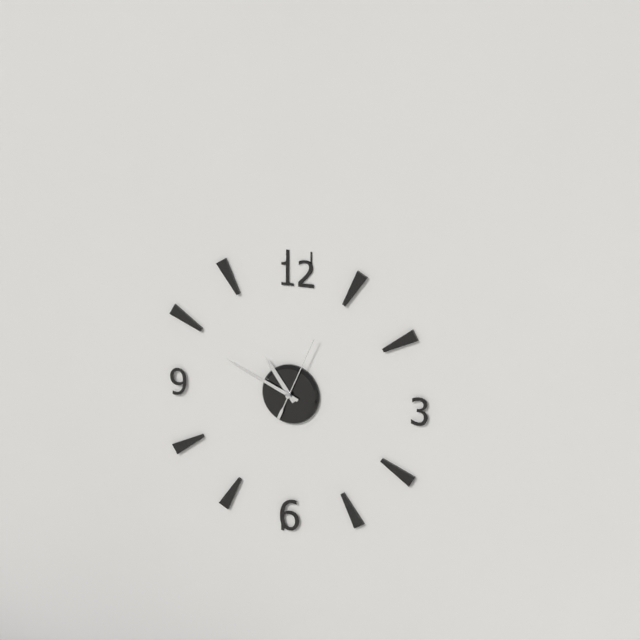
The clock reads 10 h 49 min 04 s
